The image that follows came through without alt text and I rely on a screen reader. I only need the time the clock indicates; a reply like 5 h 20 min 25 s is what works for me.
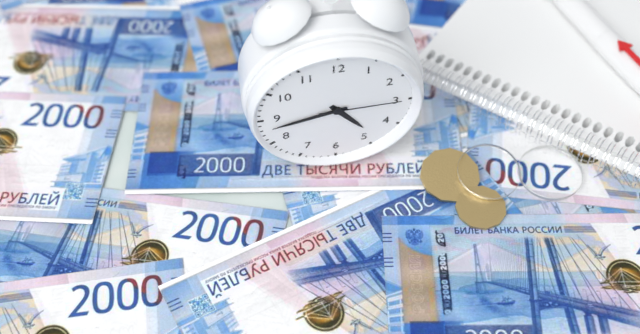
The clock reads 4 h 43 min 15 s
